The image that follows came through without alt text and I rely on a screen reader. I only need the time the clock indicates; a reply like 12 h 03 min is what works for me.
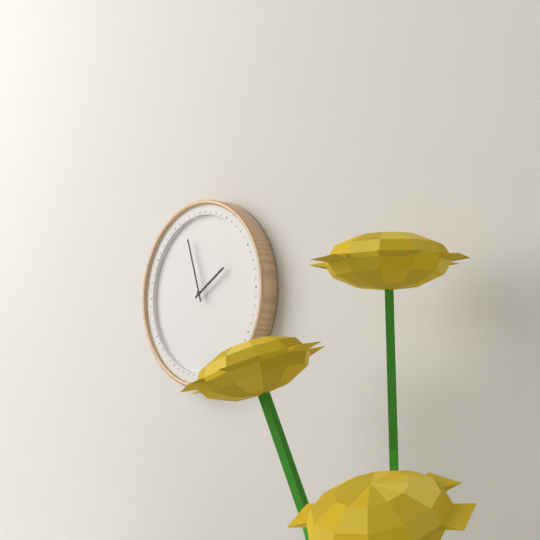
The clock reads 1 h 57 min
